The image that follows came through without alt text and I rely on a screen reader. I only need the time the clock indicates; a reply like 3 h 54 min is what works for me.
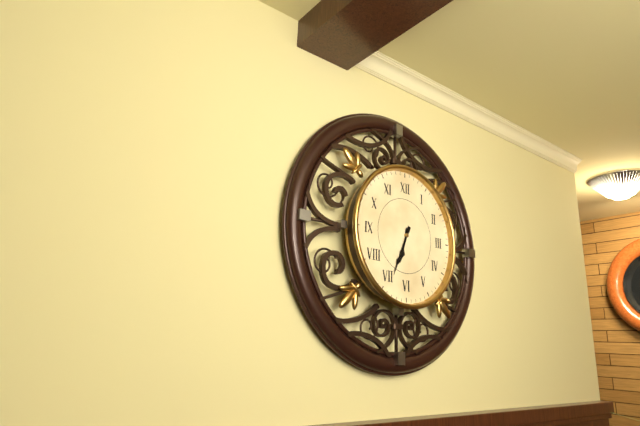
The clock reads 6 h 34 min
